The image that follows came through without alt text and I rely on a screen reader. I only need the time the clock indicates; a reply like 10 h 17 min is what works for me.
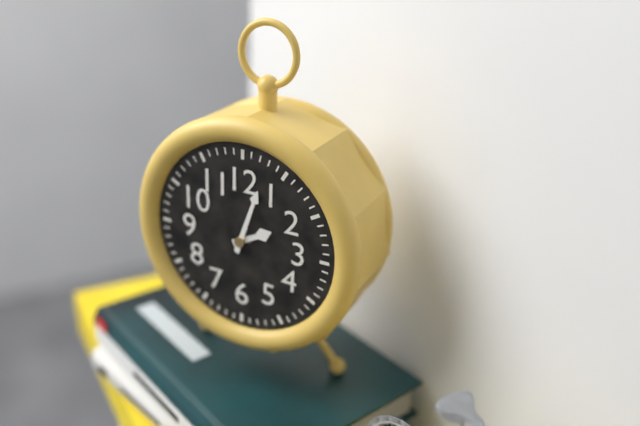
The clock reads 2 h 03 min
